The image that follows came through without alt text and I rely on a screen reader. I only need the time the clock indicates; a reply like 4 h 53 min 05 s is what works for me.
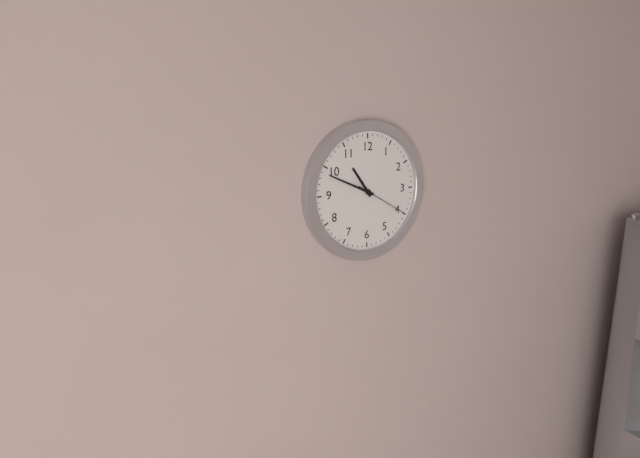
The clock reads 10 h 49 min 20 s
